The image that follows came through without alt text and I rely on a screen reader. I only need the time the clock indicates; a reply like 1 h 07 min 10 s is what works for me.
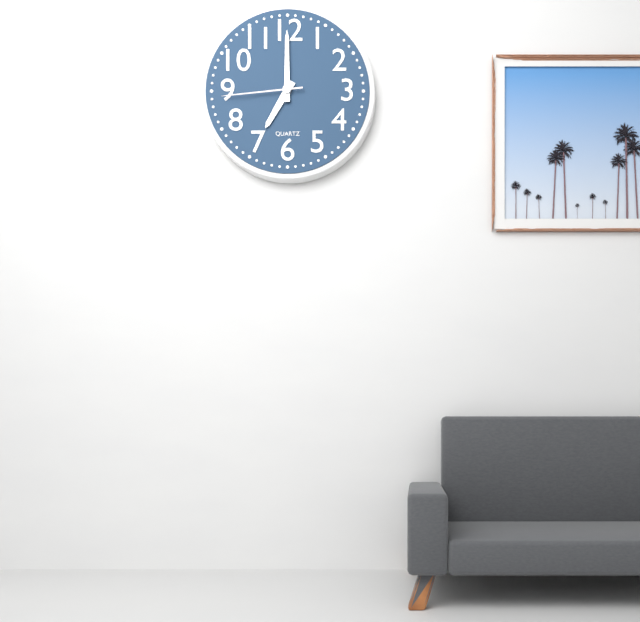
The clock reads 7 h 00 min 44 s
